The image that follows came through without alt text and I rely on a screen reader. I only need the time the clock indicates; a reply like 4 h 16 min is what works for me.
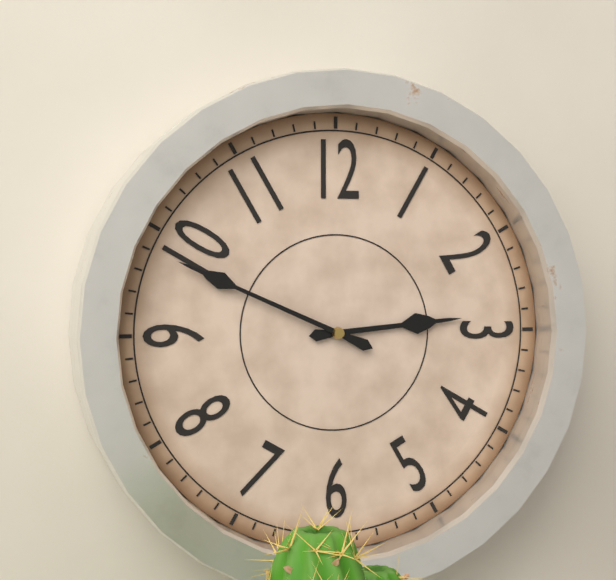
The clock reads 2 h 49 min
